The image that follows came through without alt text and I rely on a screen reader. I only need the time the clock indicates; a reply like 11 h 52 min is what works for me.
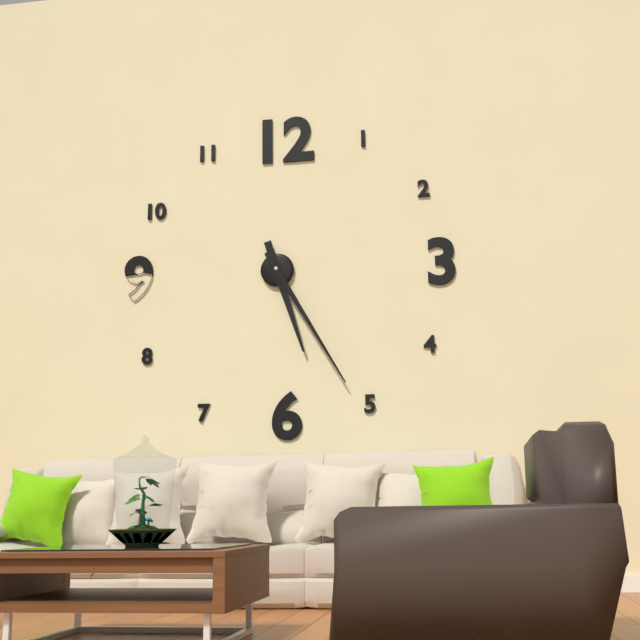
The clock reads 5 h 25 min
